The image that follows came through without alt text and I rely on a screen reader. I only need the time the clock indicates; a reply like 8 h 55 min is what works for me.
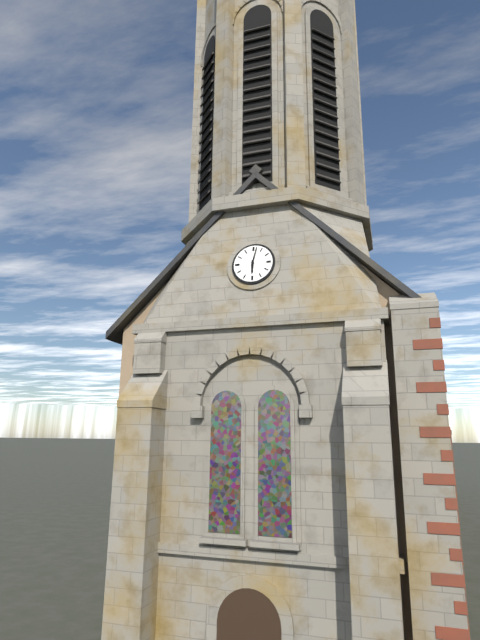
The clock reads 6 h 02 min
